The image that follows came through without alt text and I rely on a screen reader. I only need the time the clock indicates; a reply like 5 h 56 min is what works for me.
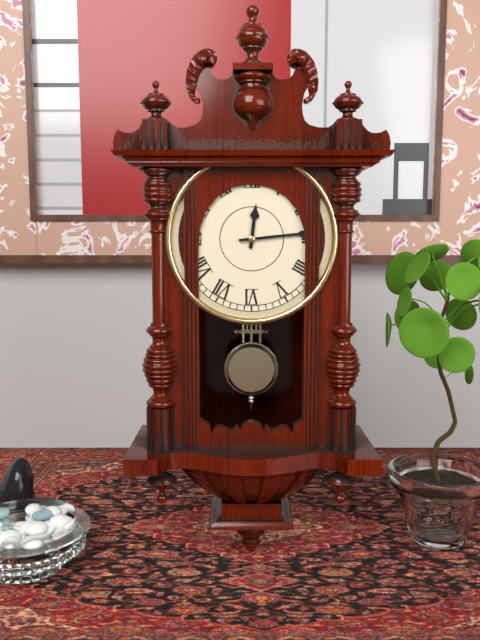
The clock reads 12 h 14 min
